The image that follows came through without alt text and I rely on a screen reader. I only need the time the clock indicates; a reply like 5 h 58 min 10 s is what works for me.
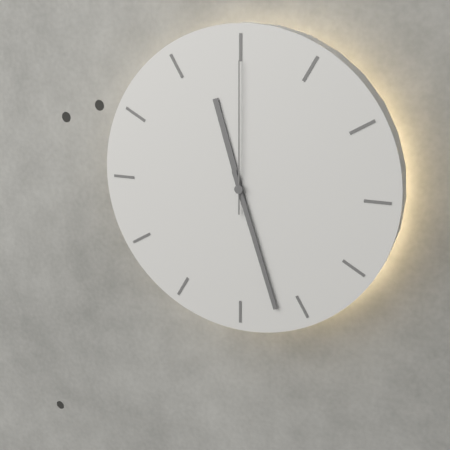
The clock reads 11 h 27 min 00 s
